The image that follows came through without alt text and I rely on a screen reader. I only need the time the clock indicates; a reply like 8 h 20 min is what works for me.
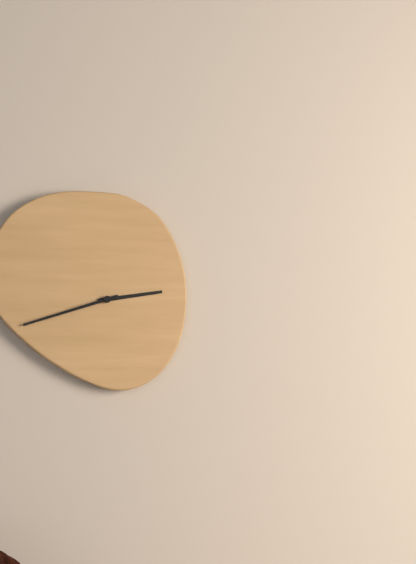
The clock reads 2 h 42 min
